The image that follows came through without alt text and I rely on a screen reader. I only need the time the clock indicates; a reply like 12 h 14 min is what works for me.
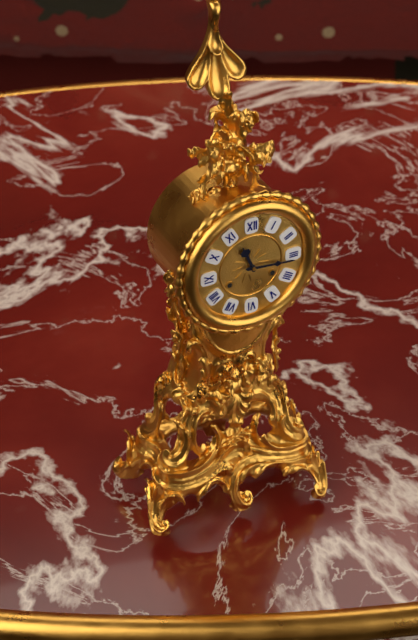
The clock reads 11 h 16 min
